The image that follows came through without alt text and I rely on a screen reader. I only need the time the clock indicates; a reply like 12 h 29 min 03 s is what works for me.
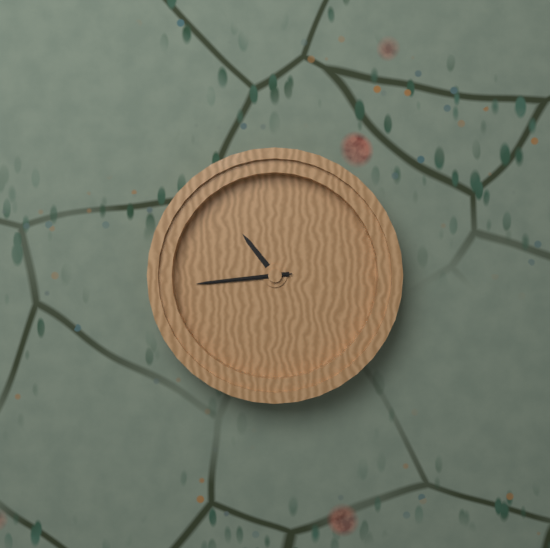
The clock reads 10 h 44 min 44 s
